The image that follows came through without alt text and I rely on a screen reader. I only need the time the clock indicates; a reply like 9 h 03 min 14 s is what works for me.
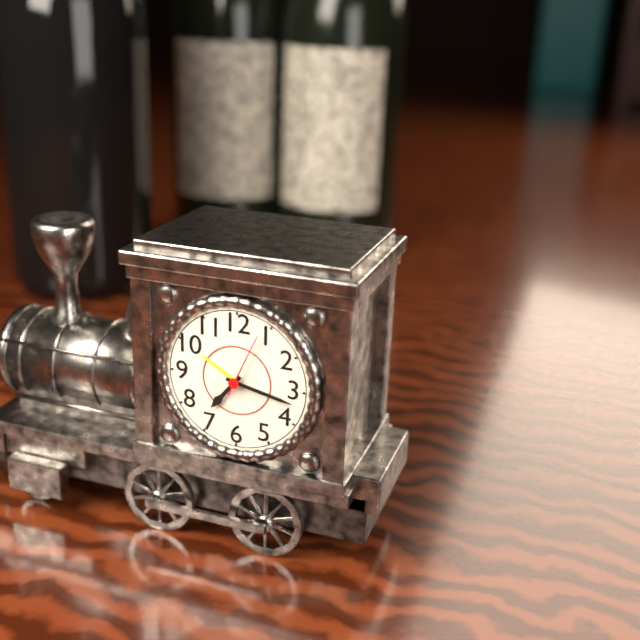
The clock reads 7 h 17 min 04 s
